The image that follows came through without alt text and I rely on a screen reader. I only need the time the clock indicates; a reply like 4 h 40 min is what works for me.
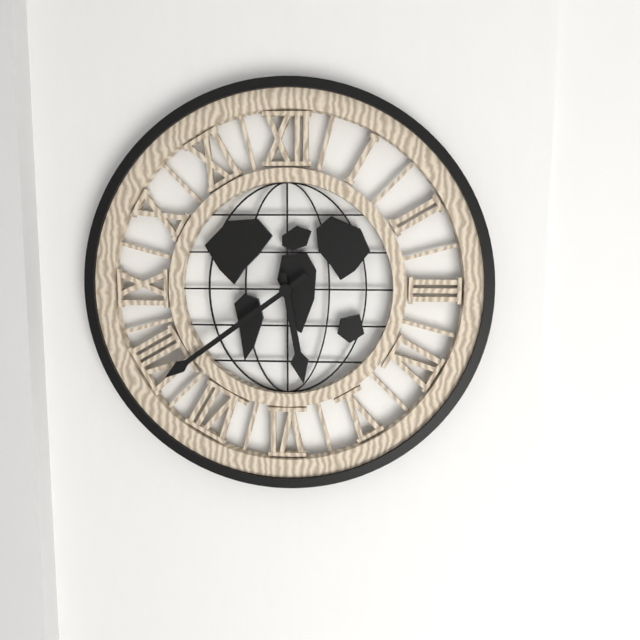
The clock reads 5 h 39 min
